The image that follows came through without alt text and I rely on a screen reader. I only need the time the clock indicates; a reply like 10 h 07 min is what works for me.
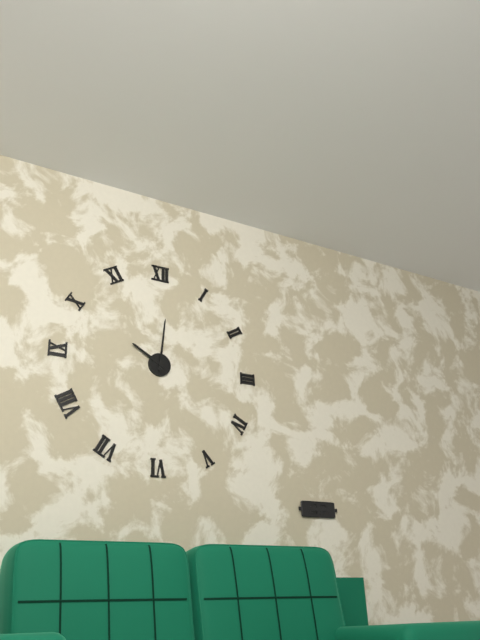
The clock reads 10 h 01 min
